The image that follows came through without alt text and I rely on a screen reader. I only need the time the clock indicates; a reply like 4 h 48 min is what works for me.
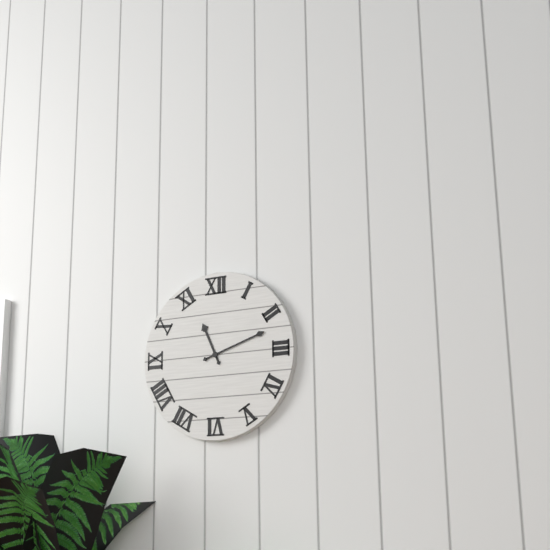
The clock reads 11 h 12 min
